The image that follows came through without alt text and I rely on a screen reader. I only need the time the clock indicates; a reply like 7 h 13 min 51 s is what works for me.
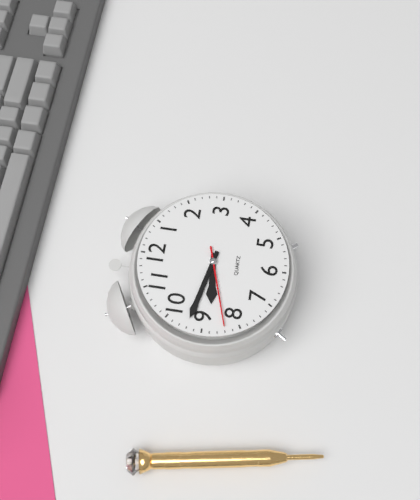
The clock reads 8 h 47 min 42 s
